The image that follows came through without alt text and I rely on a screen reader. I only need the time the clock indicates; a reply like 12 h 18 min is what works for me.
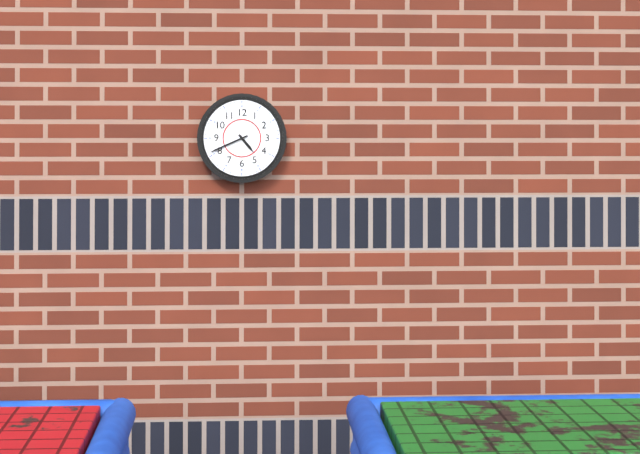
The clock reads 4 h 41 min
